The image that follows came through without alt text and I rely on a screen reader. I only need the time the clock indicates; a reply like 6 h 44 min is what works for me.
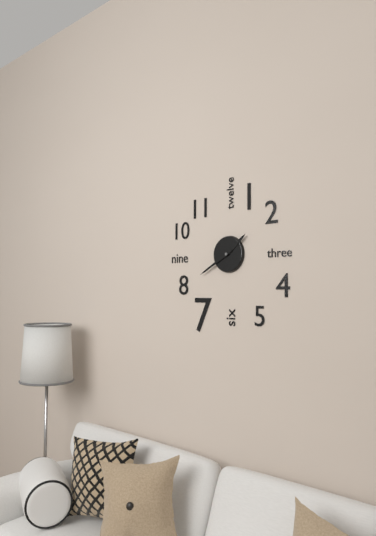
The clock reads 1 h 40 min
